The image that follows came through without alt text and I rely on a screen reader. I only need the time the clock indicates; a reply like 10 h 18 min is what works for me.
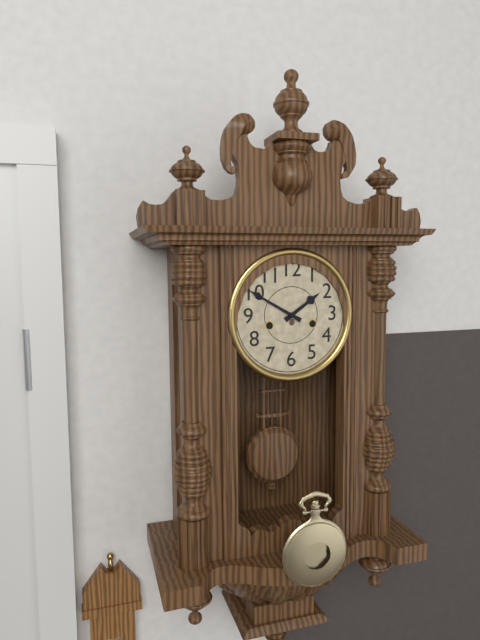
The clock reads 1 h 50 min
